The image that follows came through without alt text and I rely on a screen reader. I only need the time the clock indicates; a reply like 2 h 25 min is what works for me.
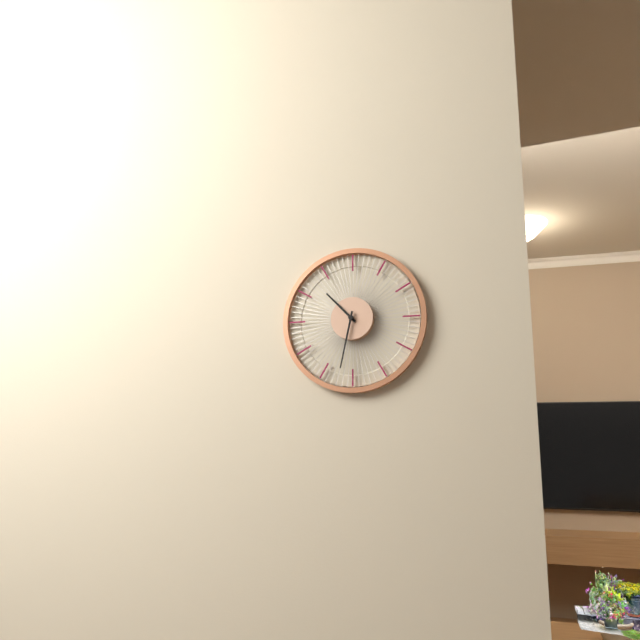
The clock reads 10 h 32 min
